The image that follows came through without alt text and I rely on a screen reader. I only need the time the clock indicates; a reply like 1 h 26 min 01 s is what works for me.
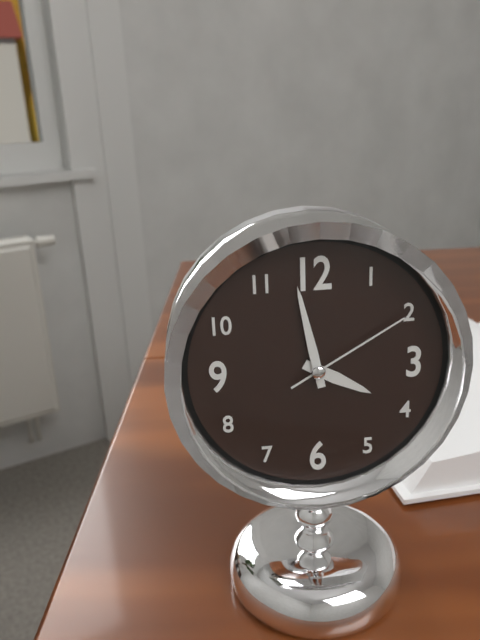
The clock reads 3 h 58 min 10 s
